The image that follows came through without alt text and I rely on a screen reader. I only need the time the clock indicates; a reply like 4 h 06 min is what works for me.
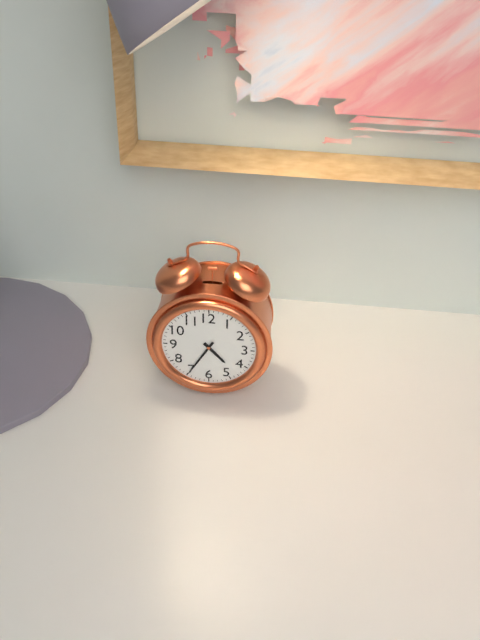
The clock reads 4 h 35 min
